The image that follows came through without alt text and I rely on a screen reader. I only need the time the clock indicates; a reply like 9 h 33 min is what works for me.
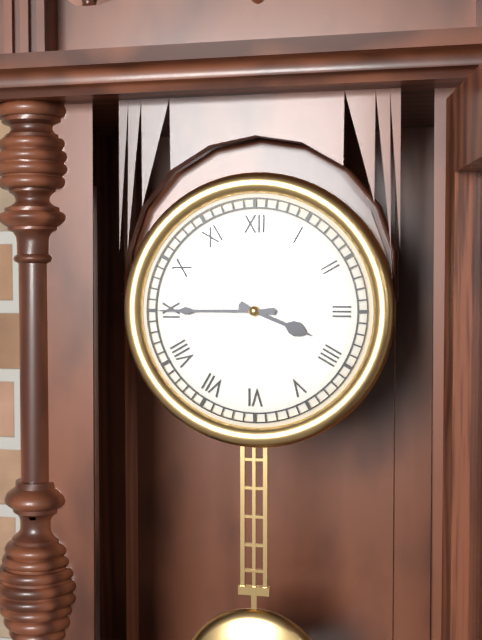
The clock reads 3 h 45 min
